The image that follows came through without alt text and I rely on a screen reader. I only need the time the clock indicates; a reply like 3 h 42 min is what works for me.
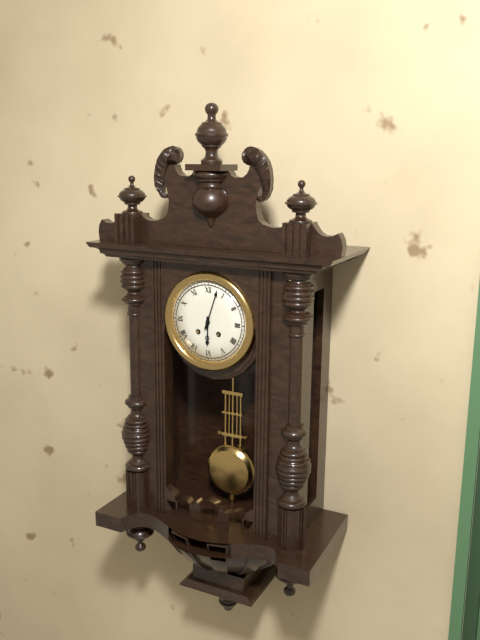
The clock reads 6 h 03 min
